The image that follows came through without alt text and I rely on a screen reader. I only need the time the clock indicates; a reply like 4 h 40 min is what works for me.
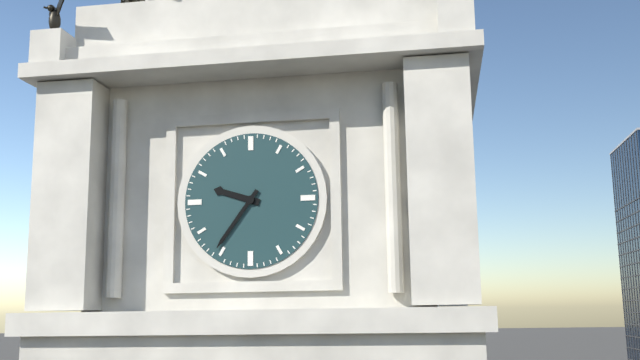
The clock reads 9 h 36 min
